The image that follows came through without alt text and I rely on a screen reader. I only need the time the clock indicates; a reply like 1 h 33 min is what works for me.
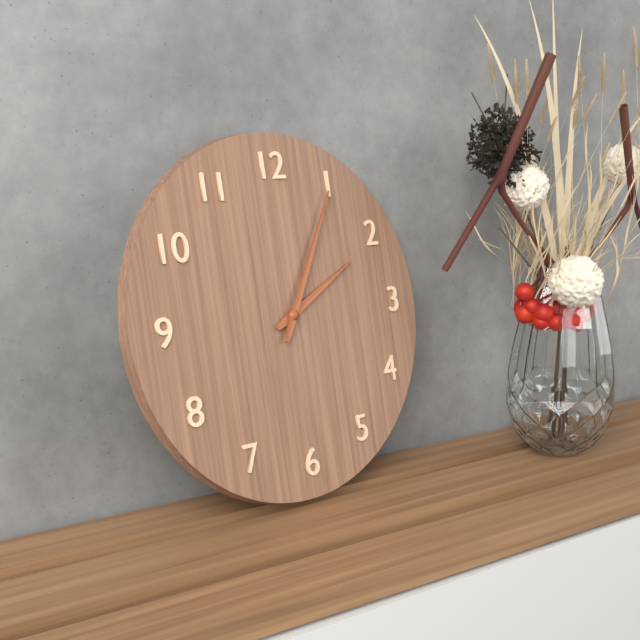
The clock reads 2 h 05 min
